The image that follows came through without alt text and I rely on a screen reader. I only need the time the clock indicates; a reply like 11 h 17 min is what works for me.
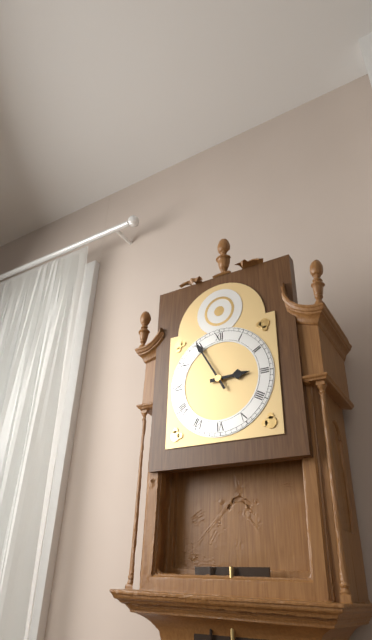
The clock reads 2 h 55 min
